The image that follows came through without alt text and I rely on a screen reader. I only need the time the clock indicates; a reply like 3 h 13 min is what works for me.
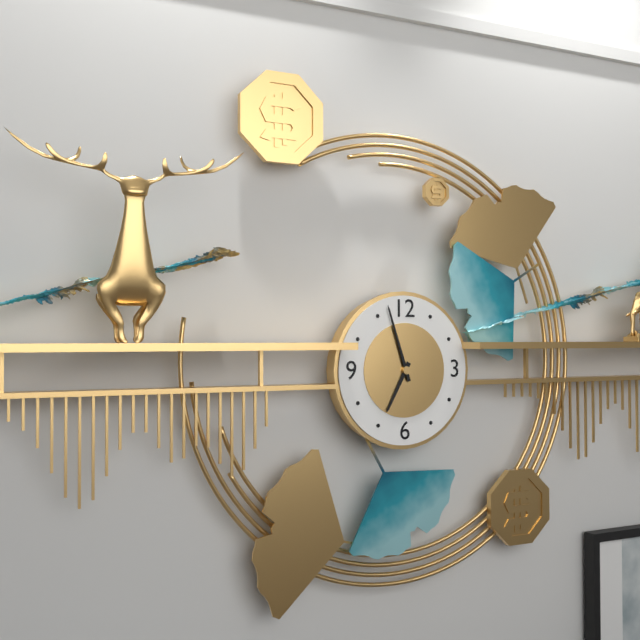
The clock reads 6 h 57 min
